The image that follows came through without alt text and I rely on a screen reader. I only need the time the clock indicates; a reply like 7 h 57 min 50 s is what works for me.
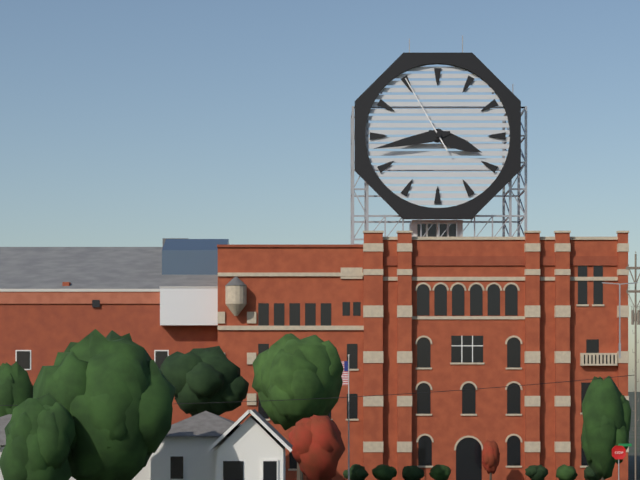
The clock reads 3 h 43 min 55 s
